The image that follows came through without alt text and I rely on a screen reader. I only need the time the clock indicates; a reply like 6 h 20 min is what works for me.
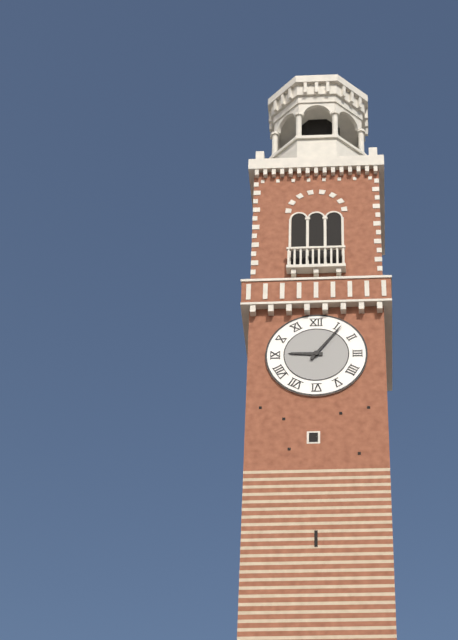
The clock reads 9 h 06 min
